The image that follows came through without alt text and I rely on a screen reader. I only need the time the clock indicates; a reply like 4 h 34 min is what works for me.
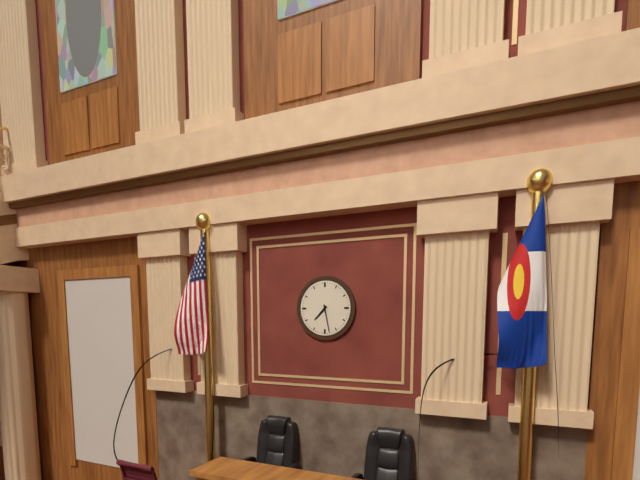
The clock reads 7 h 28 min
